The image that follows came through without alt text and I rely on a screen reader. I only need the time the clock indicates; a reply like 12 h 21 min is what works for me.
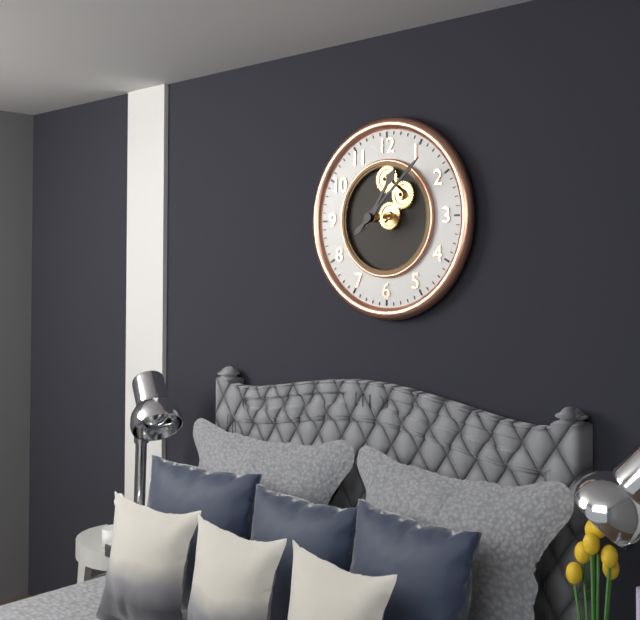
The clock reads 1 h 08 min
